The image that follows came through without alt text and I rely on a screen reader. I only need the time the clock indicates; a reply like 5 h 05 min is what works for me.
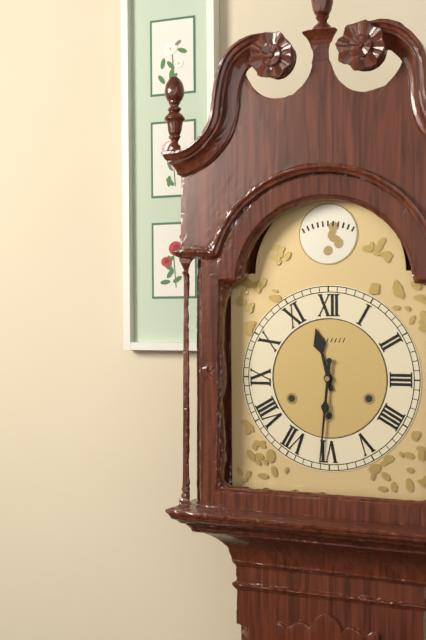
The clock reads 11 h 31 min
